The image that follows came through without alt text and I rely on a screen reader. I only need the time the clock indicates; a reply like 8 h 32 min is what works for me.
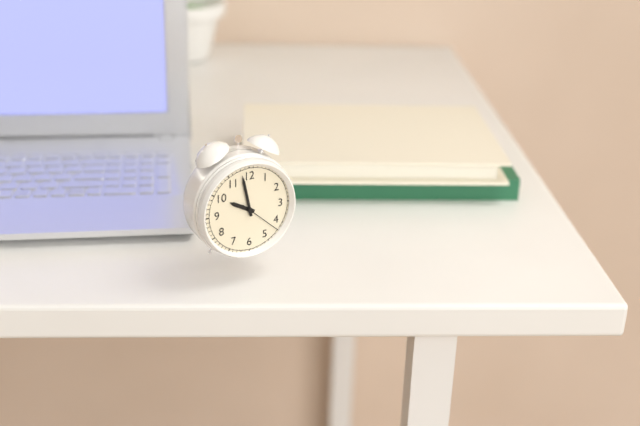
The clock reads 9 h 58 min
